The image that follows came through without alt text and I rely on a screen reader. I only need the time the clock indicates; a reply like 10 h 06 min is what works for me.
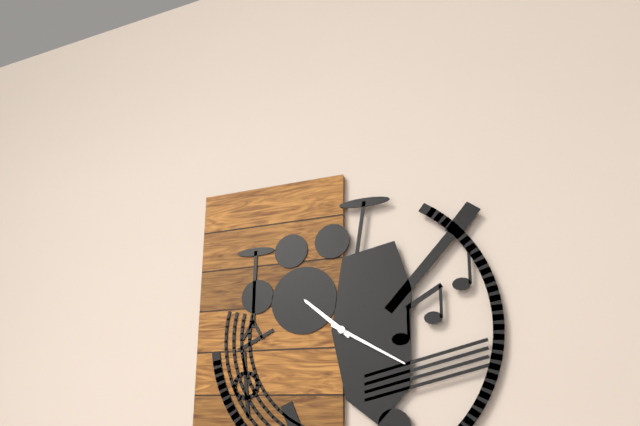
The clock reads 10 h 20 min
